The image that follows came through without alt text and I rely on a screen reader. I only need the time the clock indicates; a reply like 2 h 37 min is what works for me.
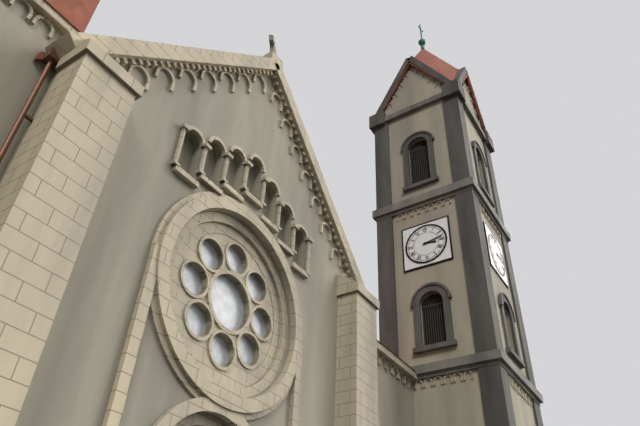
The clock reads 3 h 13 min
